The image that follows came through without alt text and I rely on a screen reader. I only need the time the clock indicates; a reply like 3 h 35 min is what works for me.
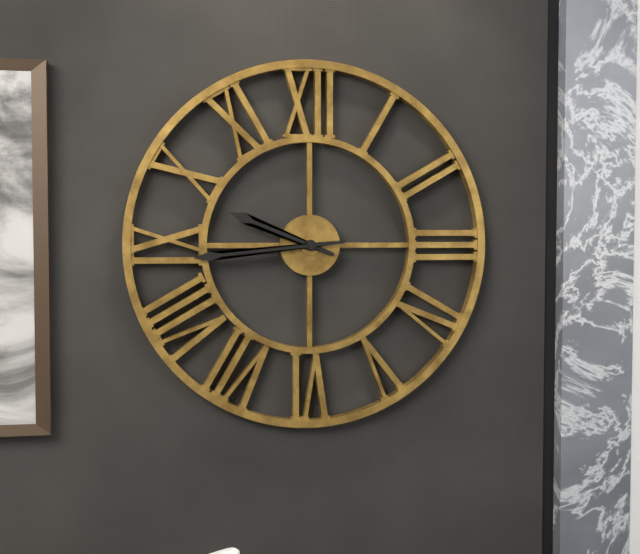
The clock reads 9 h 44 min
